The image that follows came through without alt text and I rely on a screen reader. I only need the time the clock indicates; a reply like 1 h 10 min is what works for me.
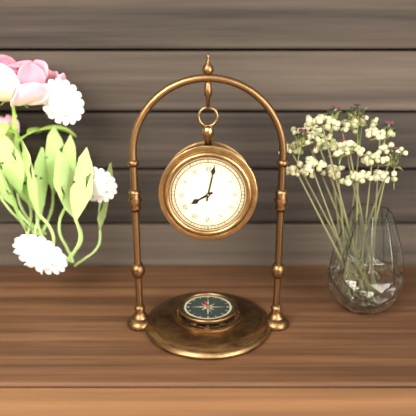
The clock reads 8 h 02 min
